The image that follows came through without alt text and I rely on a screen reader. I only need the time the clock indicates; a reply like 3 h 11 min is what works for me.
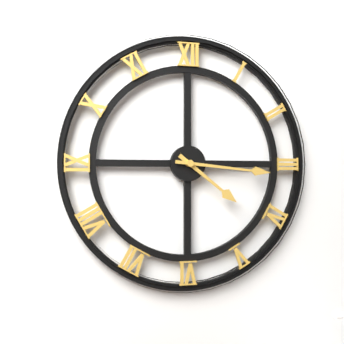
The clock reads 4 h 16 min
